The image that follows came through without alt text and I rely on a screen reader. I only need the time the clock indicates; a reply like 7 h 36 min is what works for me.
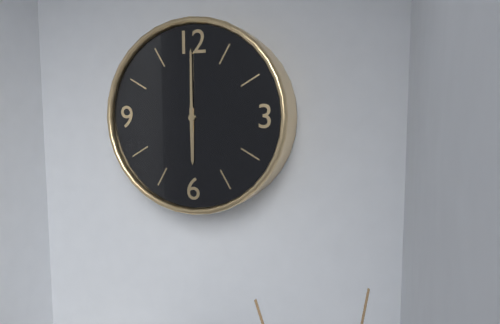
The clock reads 6 h 00 min
